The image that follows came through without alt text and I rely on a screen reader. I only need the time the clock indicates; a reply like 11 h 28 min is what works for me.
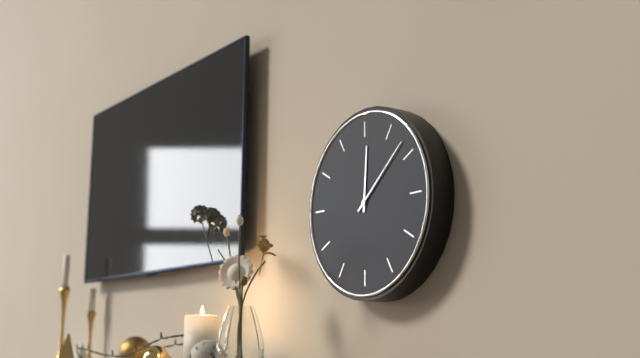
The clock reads 12 h 08 min
